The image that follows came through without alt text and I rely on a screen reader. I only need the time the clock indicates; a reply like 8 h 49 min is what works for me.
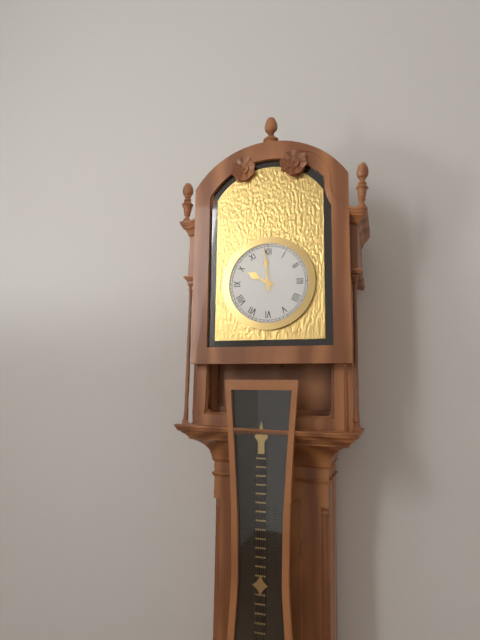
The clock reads 9 h 59 min
